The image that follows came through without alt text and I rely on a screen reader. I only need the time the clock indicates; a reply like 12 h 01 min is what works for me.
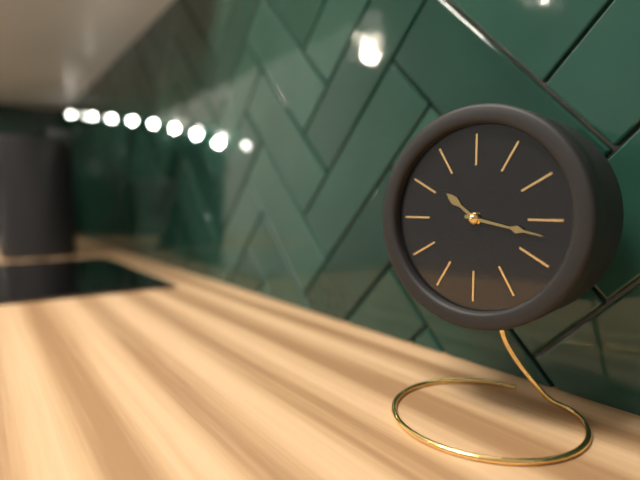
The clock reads 10 h 17 min
